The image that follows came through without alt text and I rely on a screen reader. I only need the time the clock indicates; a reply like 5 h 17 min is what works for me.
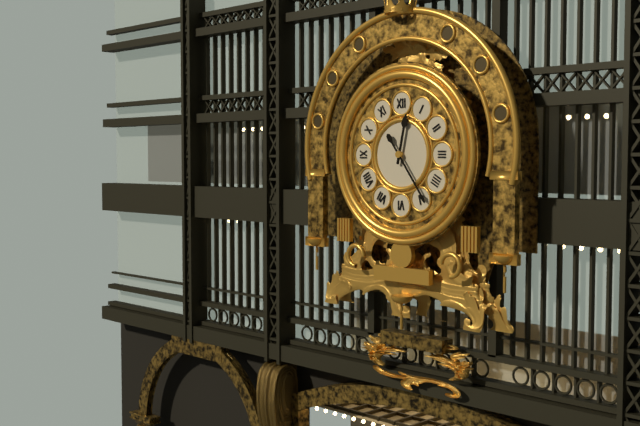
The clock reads 12 h 24 min
